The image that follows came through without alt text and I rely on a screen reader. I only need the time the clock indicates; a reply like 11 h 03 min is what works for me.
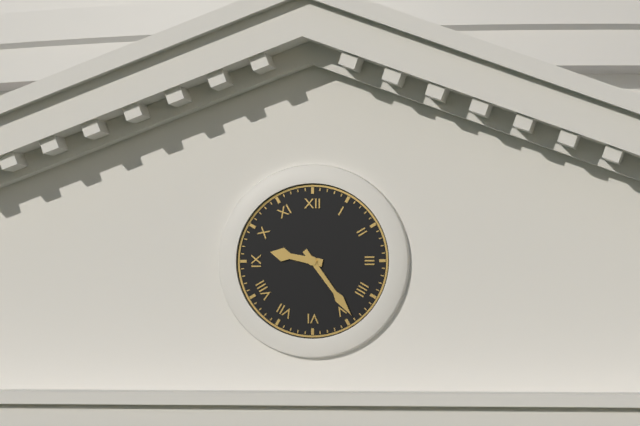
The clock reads 9 h 24 min
